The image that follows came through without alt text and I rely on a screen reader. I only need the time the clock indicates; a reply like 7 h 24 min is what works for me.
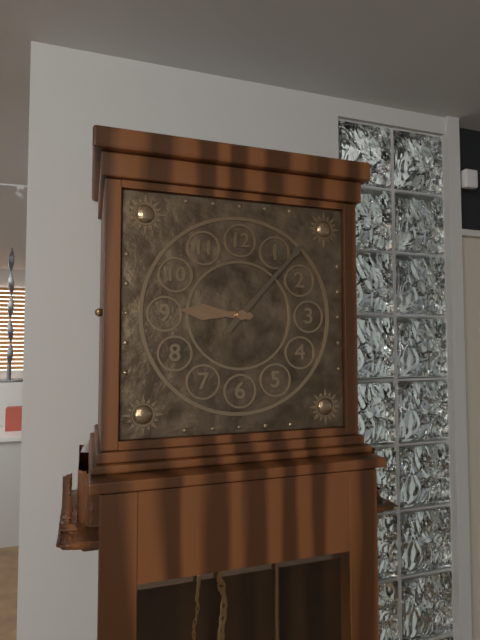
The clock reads 9 h 07 min
